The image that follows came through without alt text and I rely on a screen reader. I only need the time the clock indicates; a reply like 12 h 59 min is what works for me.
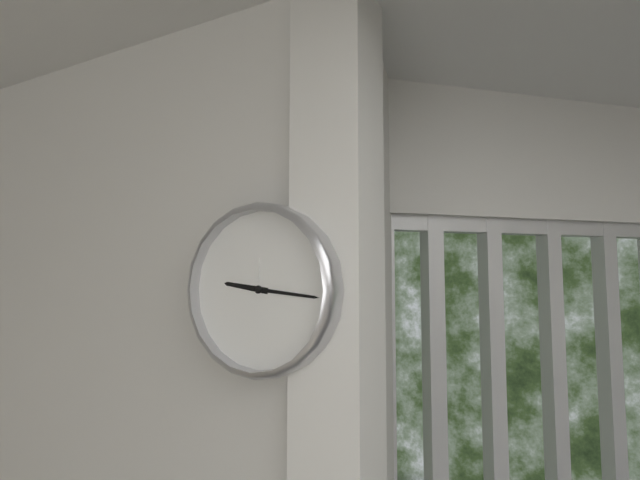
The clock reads 9 h 16 min
